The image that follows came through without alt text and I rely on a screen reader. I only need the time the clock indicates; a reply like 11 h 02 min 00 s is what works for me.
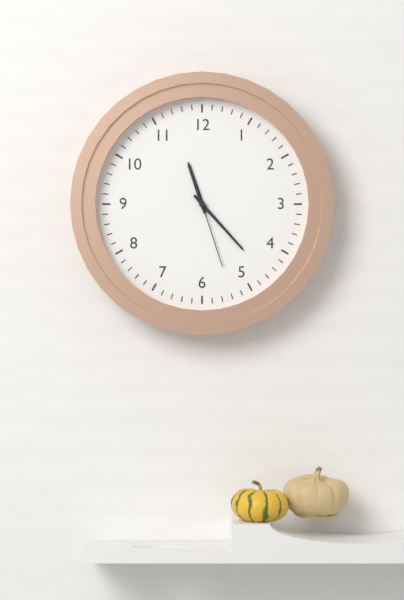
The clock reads 11 h 23 min 27 s
